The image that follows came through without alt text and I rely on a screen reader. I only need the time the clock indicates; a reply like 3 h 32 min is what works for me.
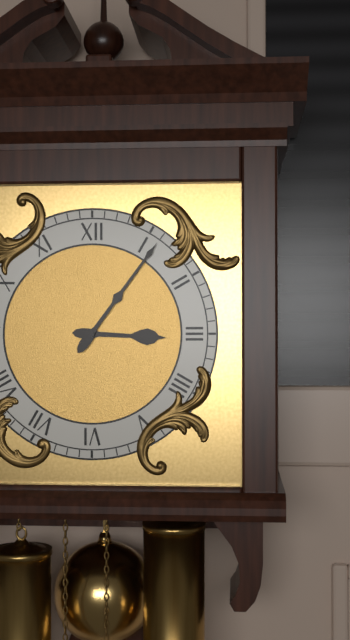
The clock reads 3 h 06 min
